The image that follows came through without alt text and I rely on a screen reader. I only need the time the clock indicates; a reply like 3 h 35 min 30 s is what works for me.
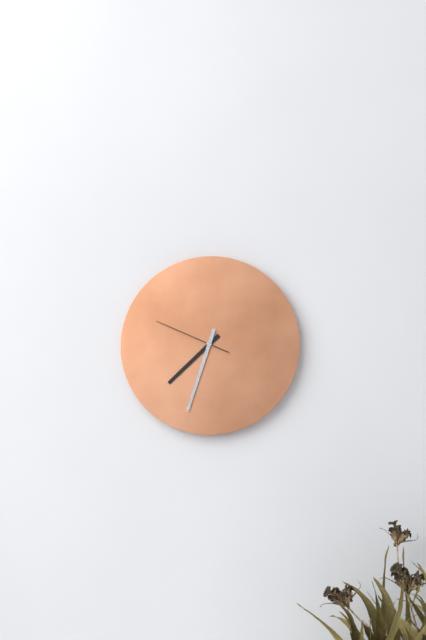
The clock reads 7 h 33 min 49 s
